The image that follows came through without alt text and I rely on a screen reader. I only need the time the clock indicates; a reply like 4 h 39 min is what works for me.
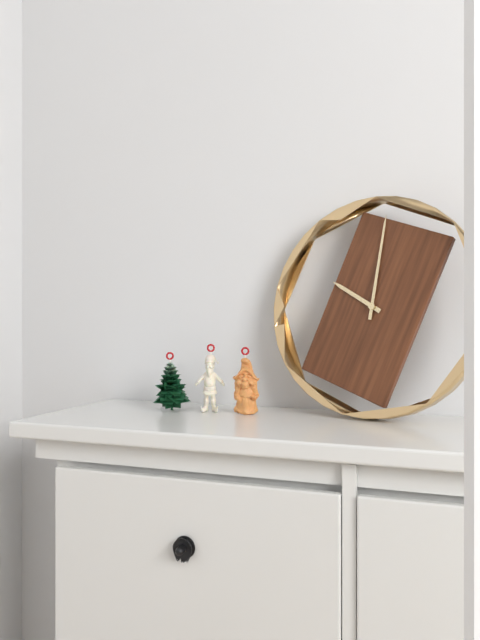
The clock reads 10 h 01 min
